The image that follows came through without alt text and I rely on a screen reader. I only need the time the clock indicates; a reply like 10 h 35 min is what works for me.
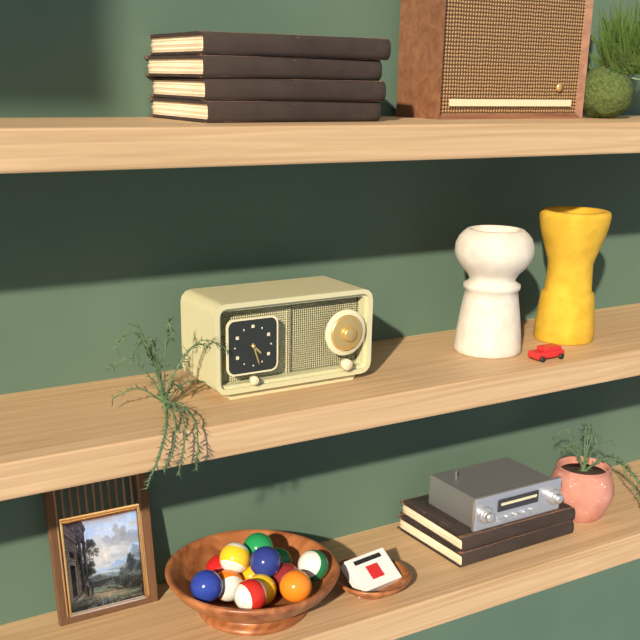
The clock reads 4 h 27 min
